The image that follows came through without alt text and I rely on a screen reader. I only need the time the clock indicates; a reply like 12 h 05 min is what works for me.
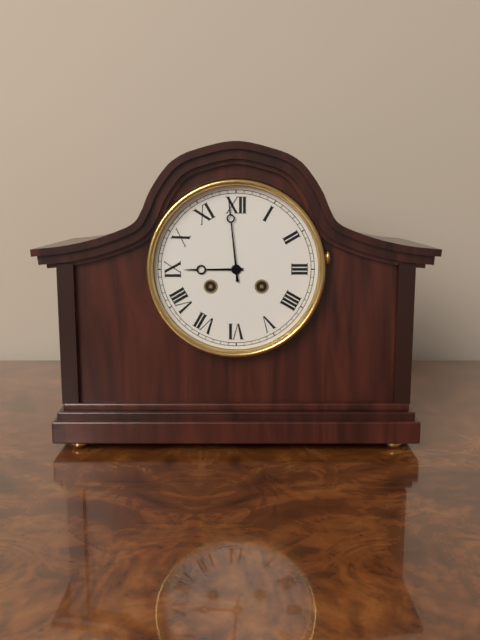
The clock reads 8 h 59 min
